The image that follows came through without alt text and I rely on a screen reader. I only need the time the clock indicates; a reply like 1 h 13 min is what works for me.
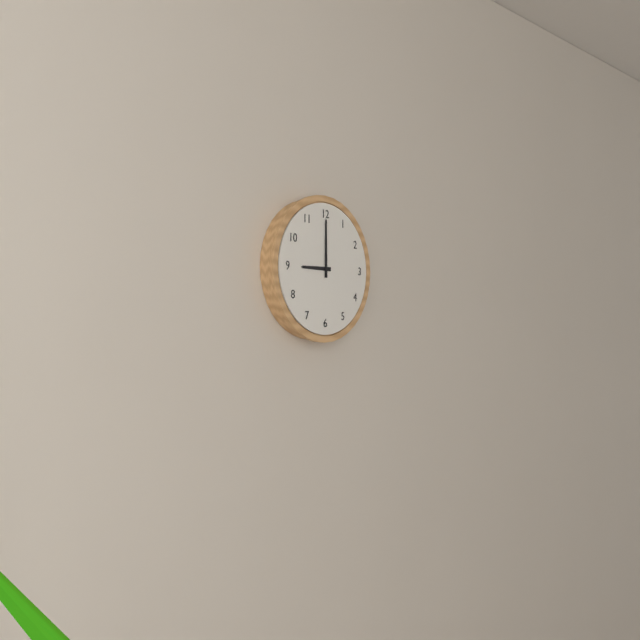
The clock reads 9 h 00 min
